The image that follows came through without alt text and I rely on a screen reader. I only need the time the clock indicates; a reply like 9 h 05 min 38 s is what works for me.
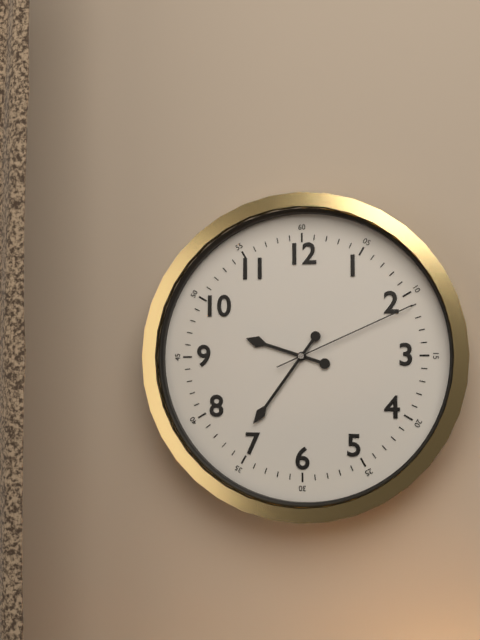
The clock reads 9 h 36 min 11 s
